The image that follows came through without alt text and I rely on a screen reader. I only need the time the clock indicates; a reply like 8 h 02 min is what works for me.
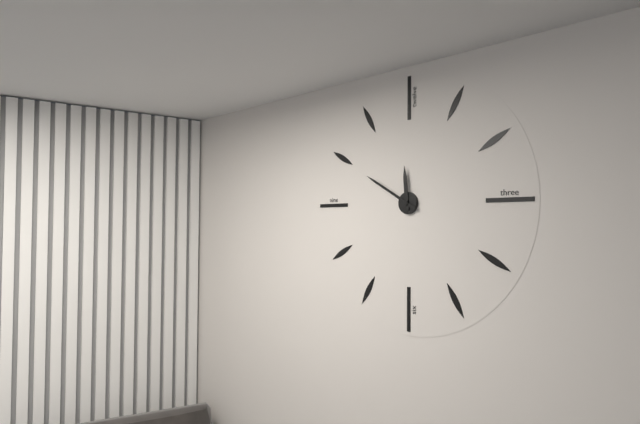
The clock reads 11 h 50 min
